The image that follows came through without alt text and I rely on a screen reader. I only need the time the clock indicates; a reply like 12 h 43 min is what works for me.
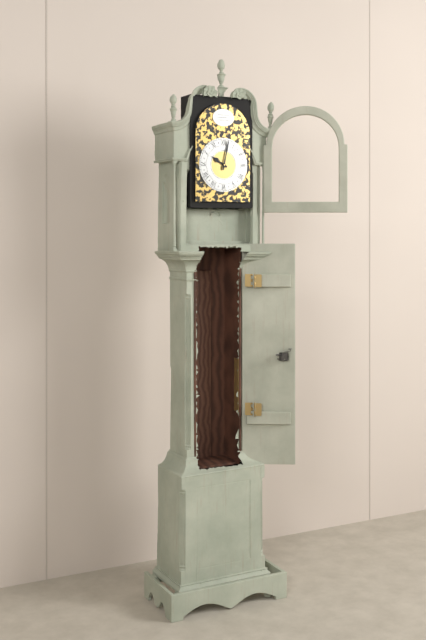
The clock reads 10 h 02 min
